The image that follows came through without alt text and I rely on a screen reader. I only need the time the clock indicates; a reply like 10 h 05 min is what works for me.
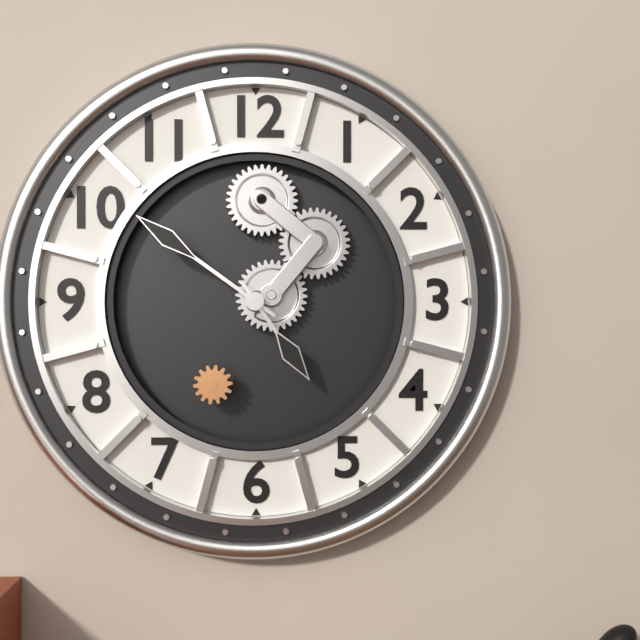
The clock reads 4 h 51 min
